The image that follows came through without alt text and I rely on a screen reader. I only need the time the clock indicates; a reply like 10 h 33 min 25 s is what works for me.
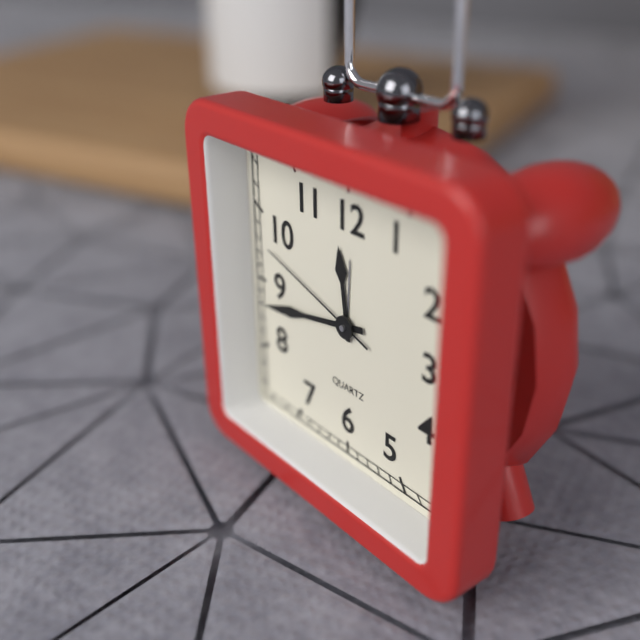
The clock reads 11 h 43 min 48 s
